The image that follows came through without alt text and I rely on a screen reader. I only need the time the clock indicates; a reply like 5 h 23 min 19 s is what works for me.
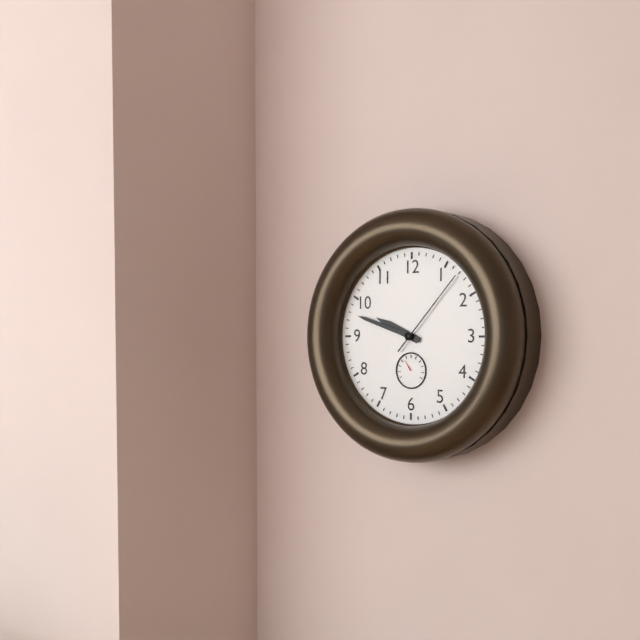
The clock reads 9 h 48 min 07 s
